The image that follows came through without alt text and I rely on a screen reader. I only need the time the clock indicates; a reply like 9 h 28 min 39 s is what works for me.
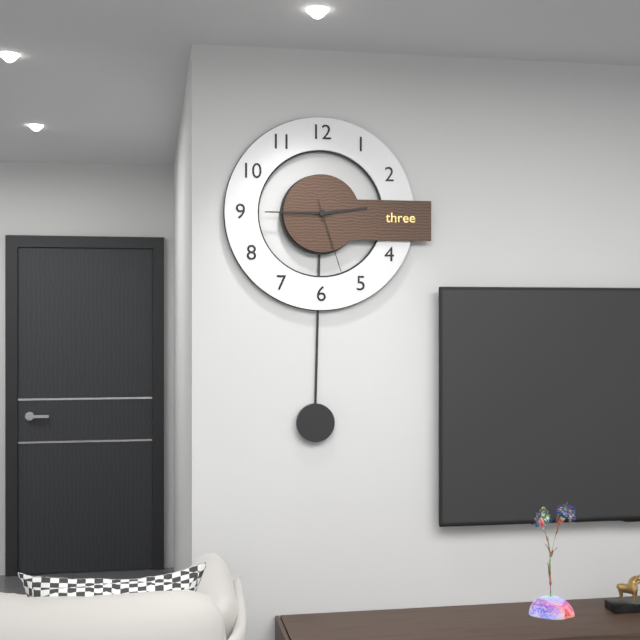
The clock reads 2 h 45 min 27 s
